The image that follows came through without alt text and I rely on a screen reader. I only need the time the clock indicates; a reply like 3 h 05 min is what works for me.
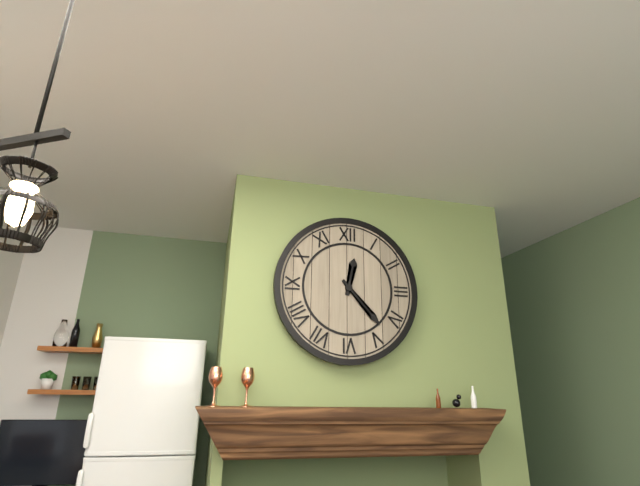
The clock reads 12 h 23 min
